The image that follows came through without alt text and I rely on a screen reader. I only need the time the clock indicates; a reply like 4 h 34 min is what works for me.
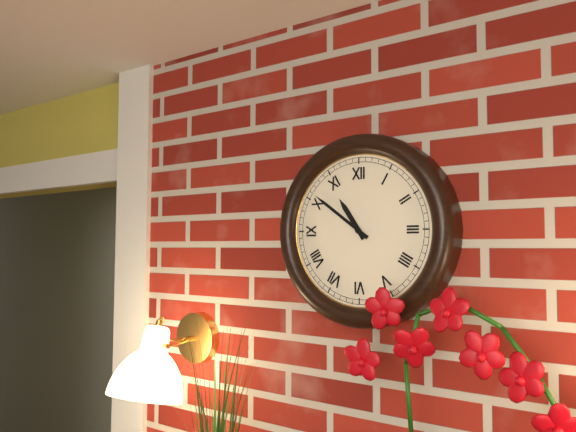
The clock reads 10 h 51 min
